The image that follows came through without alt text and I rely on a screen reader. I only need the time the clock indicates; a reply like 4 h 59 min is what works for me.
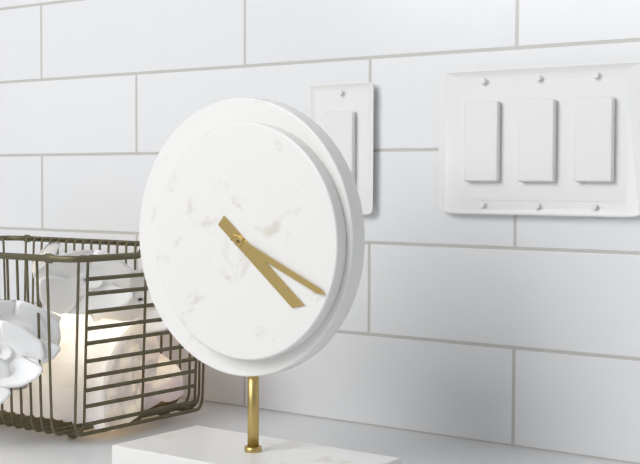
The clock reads 4 h 19 min
